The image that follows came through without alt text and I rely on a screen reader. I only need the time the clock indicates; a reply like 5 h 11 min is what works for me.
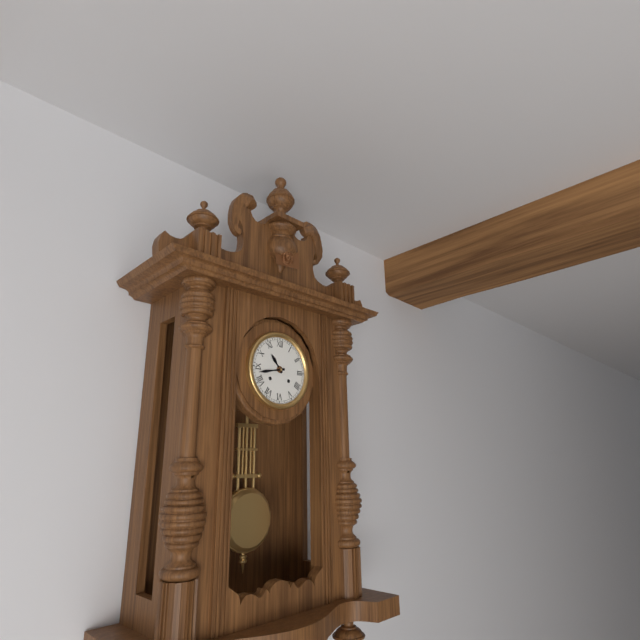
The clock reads 10 h 43 min
